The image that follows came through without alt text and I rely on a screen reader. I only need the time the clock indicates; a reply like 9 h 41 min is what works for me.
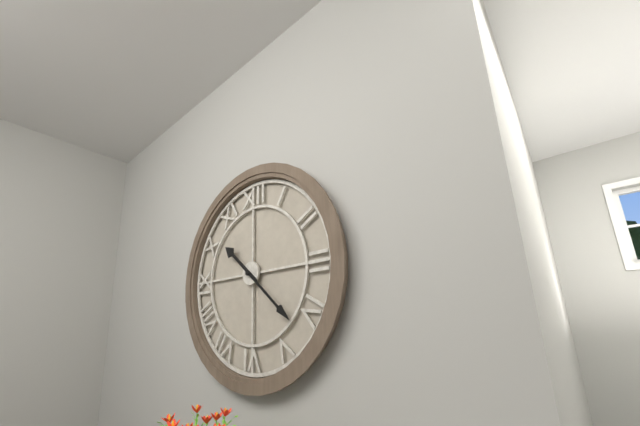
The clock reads 10 h 22 min
